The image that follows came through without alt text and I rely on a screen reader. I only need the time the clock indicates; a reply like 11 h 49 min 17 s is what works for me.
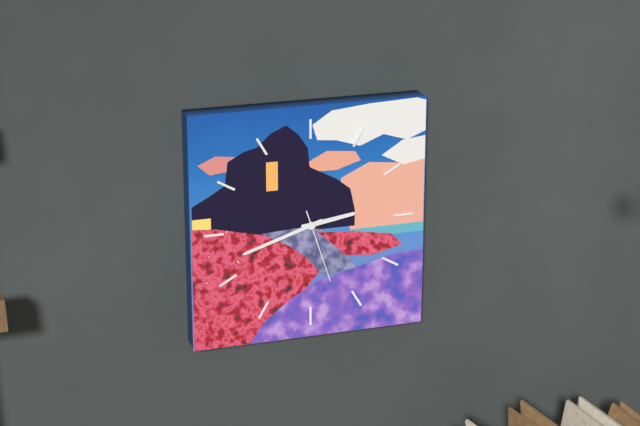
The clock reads 2 h 42 min 27 s
